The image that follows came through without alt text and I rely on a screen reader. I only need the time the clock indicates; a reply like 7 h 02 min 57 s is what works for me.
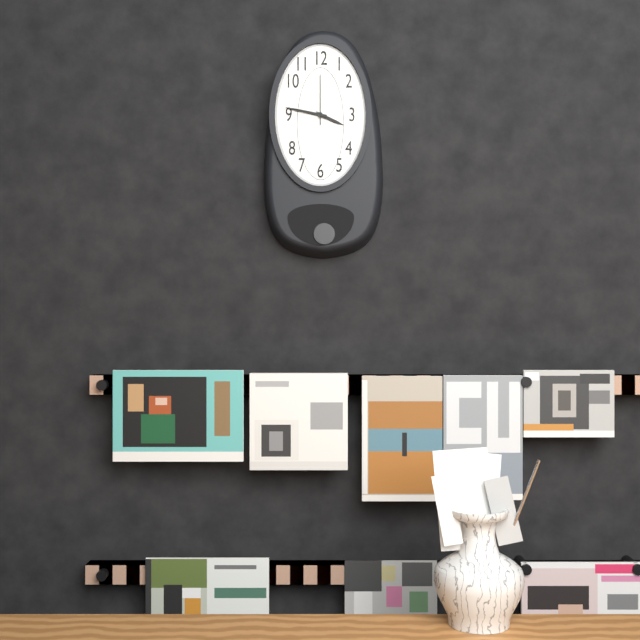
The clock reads 3 h 47 min 00 s
